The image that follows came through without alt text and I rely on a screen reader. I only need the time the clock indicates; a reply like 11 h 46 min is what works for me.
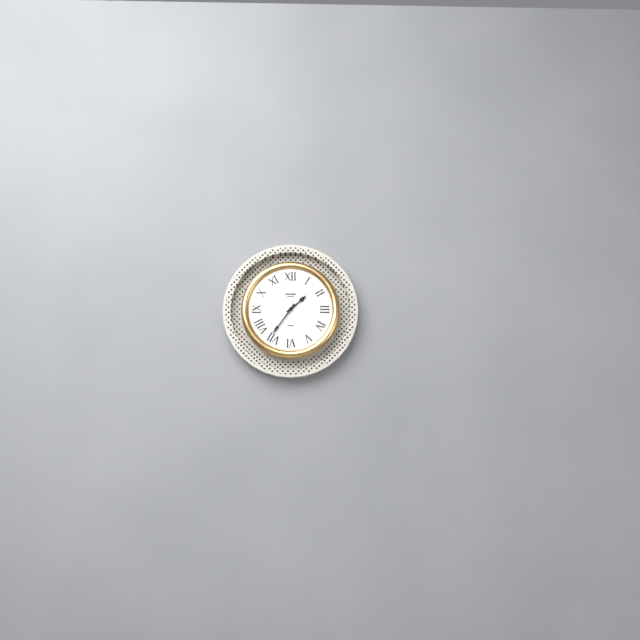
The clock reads 1 h 36 min
